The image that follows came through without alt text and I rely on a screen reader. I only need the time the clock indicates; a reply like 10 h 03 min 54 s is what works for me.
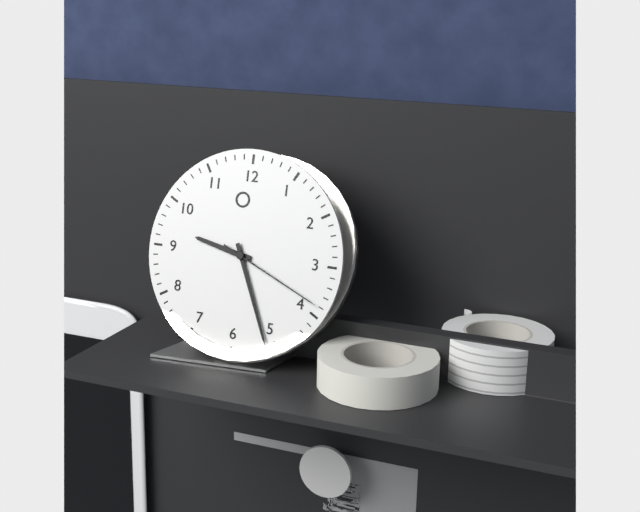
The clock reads 9 h 26 min 19 s
